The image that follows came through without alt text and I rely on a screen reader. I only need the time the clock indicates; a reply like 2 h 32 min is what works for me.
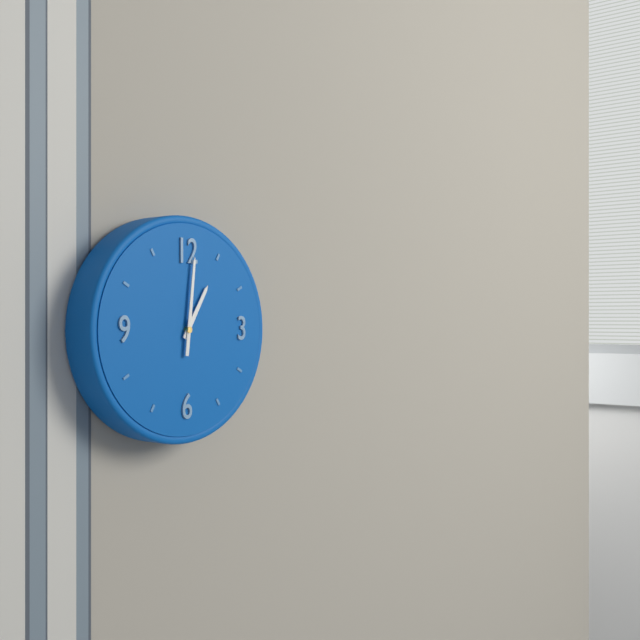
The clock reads 1 h 01 min
